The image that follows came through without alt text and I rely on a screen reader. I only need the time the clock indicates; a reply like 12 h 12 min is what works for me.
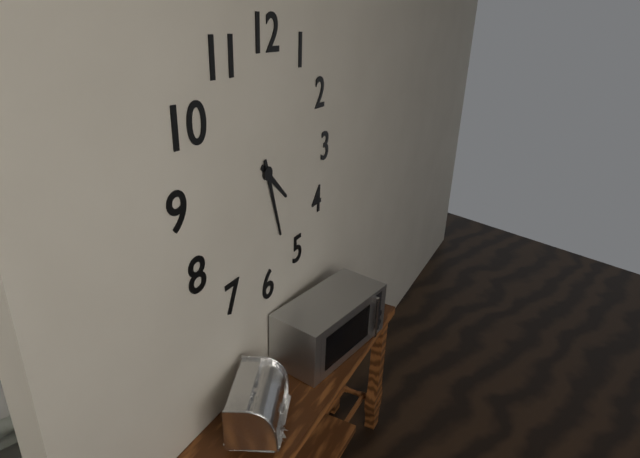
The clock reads 4 h 27 min
